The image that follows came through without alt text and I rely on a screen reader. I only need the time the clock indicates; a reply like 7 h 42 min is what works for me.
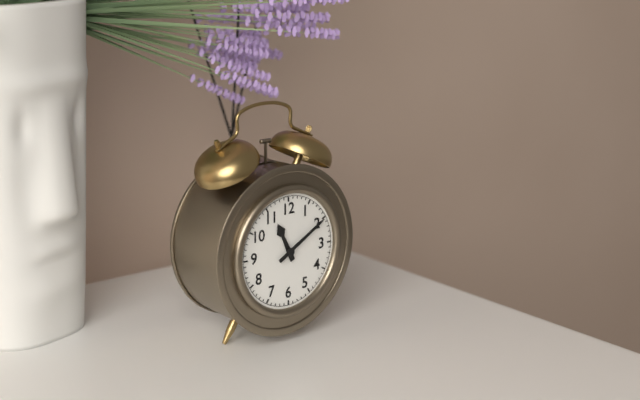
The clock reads 11 h 10 min
